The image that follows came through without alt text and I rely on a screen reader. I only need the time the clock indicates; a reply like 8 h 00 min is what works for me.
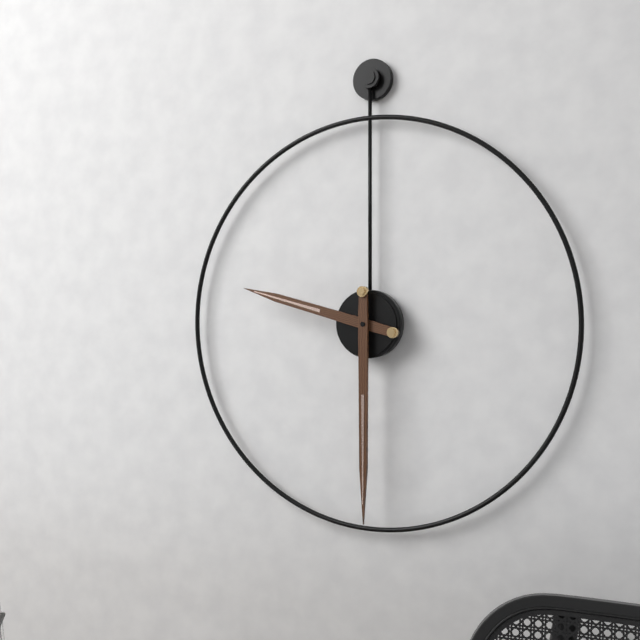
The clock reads 9 h 30 min
